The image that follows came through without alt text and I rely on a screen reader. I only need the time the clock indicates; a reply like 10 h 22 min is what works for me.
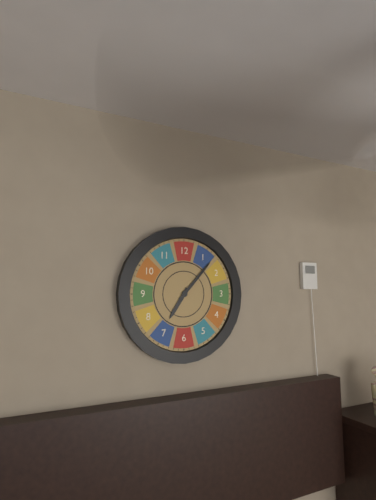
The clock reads 7 h 07 min
